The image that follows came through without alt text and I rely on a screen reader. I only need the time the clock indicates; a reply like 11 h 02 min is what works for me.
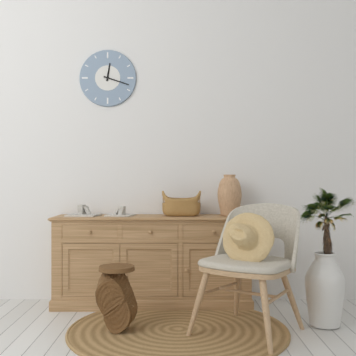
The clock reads 12 h 18 min
